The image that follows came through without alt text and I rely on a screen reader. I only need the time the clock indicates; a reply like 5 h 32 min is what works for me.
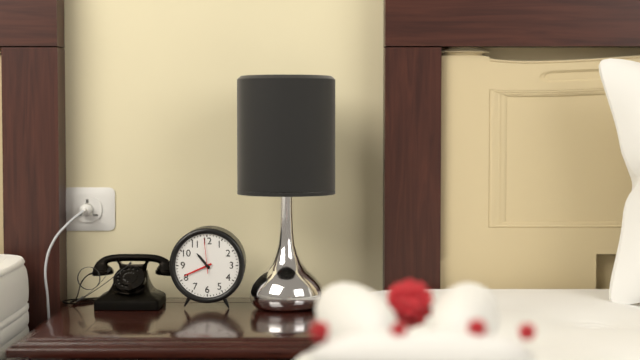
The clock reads 10 h 41 min
